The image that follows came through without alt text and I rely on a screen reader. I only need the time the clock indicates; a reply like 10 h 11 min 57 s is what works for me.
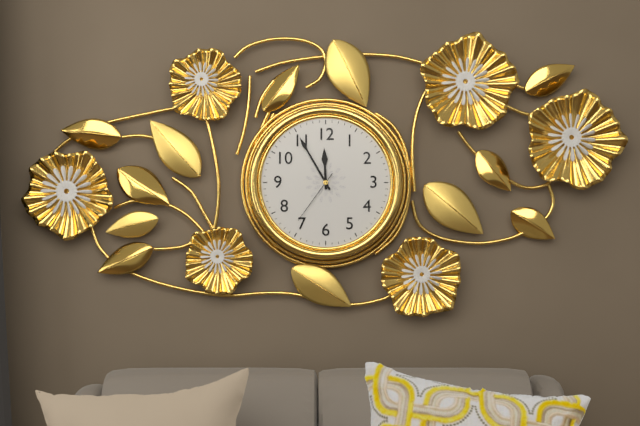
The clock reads 11 h 55 min 36 s
